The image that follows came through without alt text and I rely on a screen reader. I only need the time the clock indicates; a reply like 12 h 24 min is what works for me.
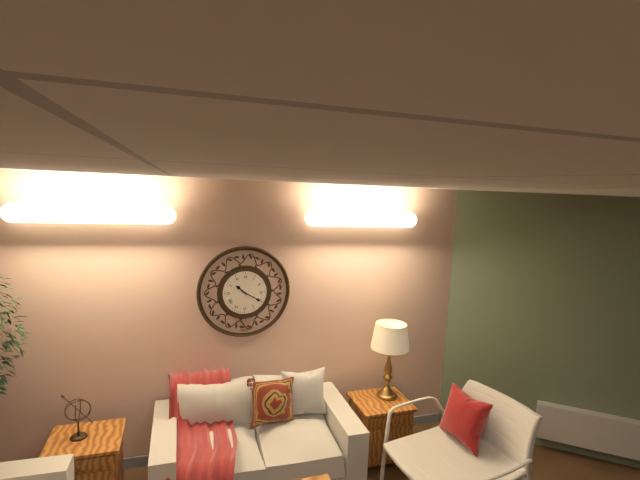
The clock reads 10 h 20 min
